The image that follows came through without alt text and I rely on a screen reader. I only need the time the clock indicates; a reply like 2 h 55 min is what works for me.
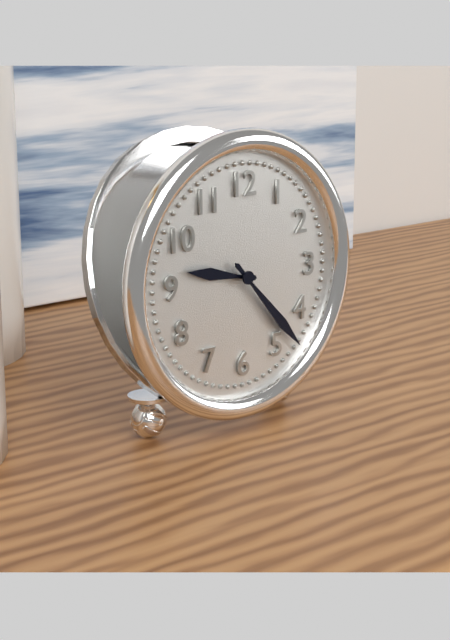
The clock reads 9 h 23 min
